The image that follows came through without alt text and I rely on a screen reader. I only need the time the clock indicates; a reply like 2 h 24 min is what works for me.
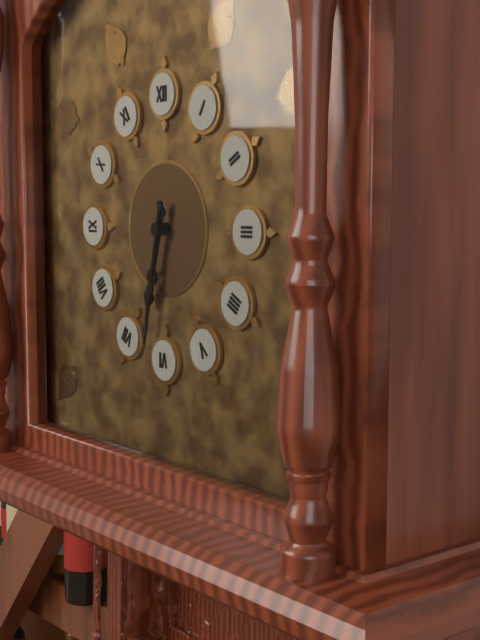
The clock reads 6 h 32 min
